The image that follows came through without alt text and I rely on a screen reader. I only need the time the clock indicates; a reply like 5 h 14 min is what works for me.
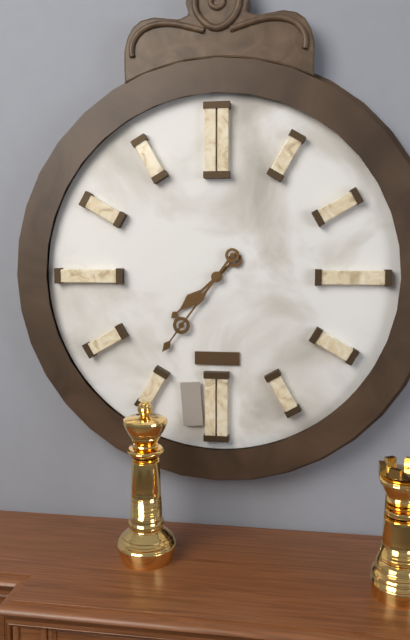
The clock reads 7 h 36 min
